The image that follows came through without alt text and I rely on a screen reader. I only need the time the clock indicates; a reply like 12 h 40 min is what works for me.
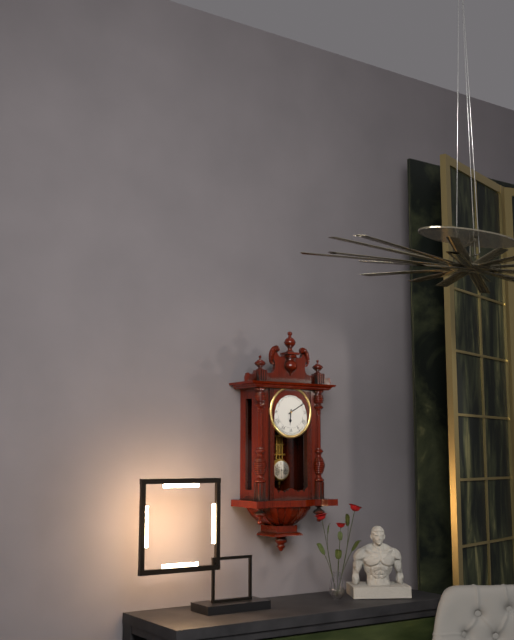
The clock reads 6 h 10 min
